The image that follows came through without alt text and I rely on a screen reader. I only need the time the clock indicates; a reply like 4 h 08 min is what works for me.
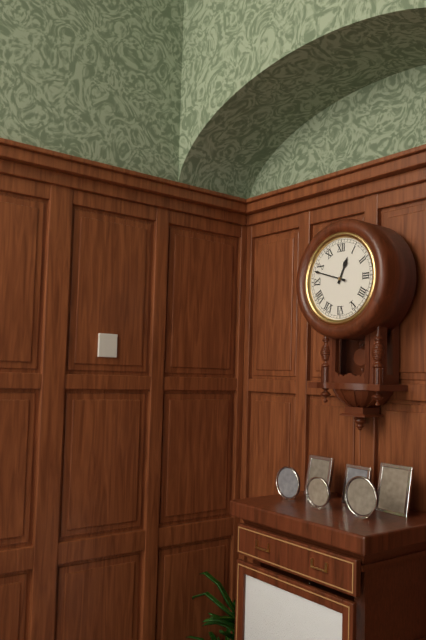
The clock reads 12 h 48 min
